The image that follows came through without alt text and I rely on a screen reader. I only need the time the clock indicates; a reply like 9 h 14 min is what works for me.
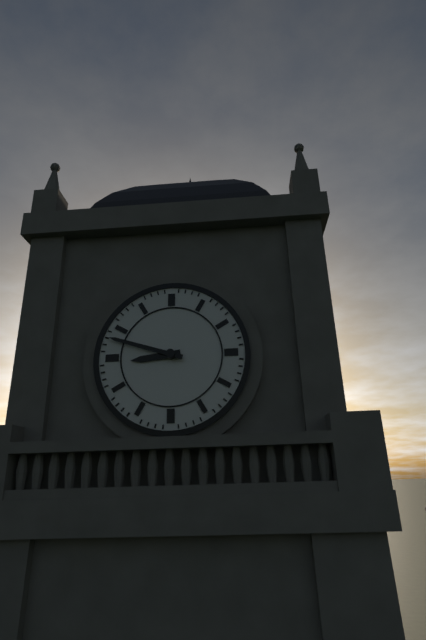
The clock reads 8 h 48 min
